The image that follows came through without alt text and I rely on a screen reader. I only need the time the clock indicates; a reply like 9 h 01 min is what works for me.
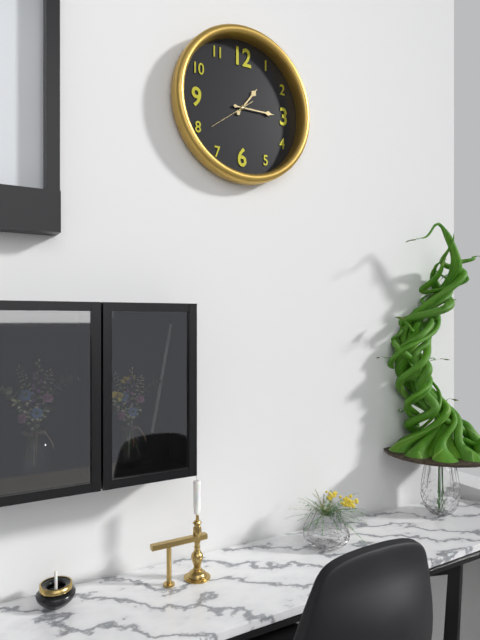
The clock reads 1 h 15 min
